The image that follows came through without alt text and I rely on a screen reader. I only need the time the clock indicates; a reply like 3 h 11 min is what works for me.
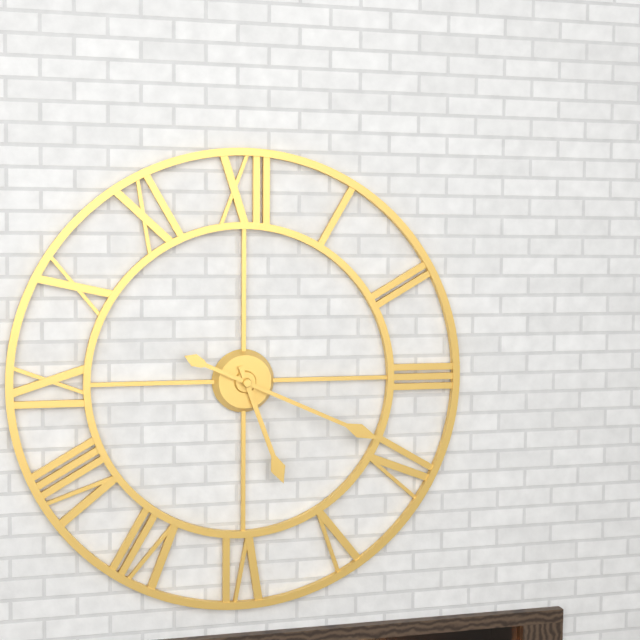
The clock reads 5 h 19 min
